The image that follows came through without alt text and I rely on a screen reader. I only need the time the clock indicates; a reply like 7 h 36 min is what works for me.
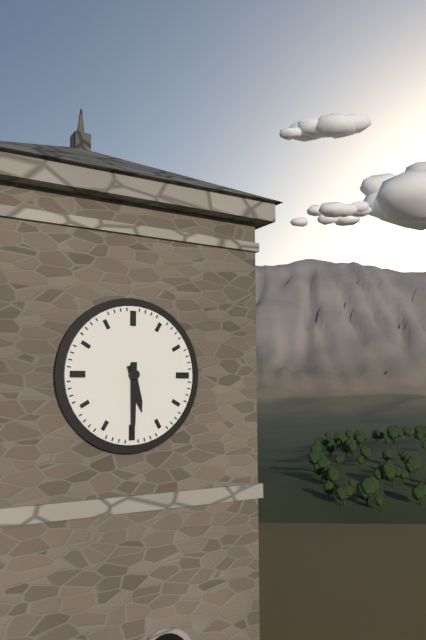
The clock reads 5 h 30 min
